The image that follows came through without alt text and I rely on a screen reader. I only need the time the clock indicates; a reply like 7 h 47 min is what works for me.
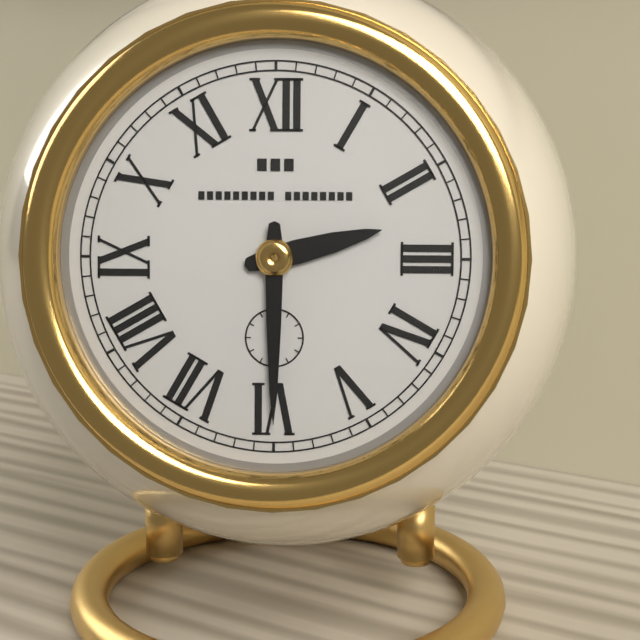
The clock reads 2 h 30 min
